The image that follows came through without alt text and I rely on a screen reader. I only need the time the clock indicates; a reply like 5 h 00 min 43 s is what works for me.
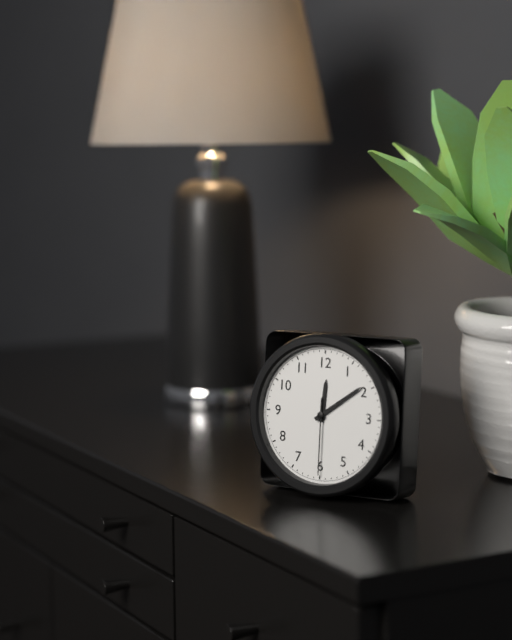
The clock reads 12 h 09 min 30 s
